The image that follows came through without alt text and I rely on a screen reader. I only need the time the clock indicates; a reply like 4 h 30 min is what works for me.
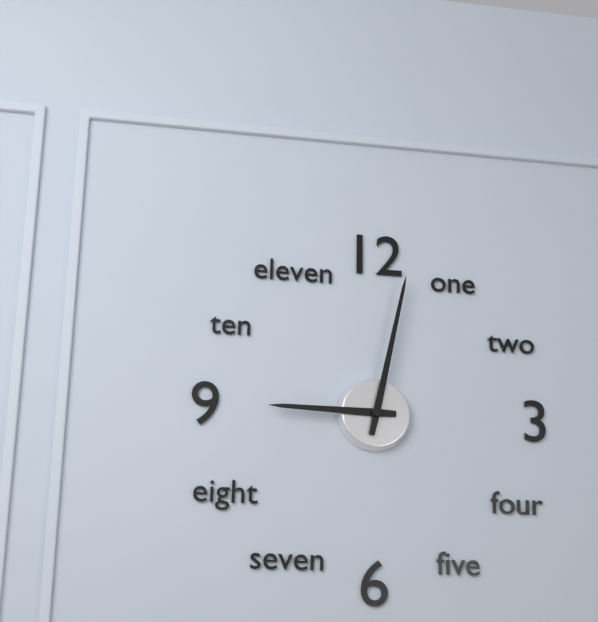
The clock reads 9 h 02 min
